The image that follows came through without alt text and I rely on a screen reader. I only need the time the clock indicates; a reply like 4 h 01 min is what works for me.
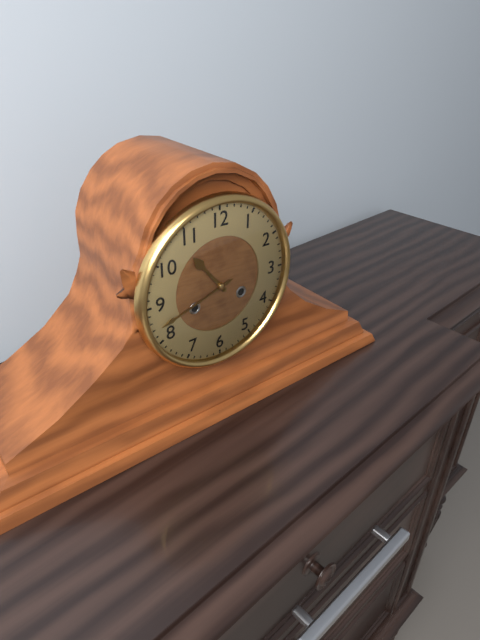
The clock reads 10 h 42 min
